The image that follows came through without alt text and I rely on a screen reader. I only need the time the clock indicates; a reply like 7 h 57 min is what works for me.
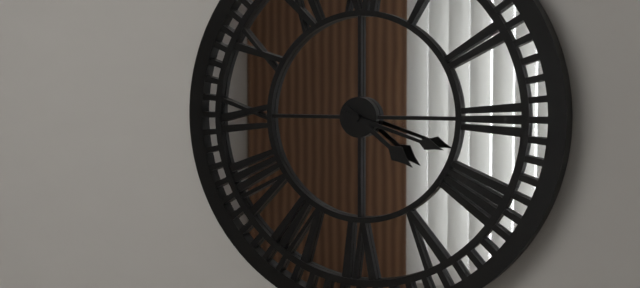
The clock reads 4 h 18 min
